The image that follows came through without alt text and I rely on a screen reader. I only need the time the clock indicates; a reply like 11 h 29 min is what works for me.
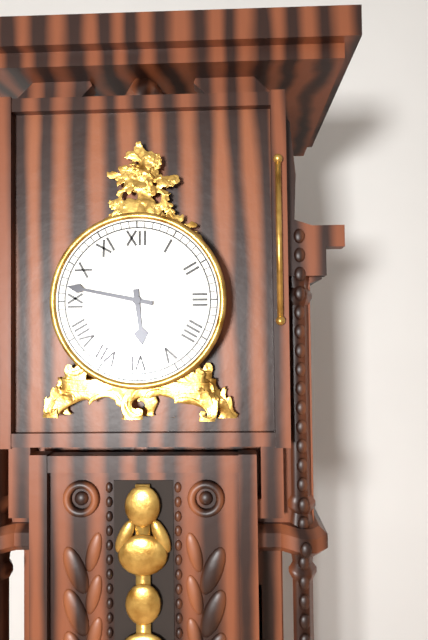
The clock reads 5 h 47 min
